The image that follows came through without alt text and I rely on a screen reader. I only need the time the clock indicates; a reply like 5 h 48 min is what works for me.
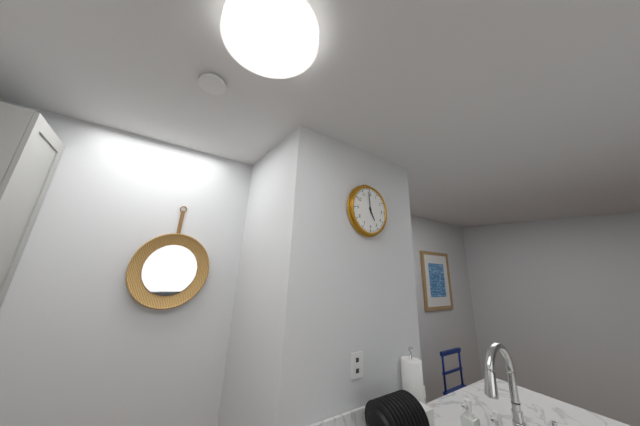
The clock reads 4 h 59 min
